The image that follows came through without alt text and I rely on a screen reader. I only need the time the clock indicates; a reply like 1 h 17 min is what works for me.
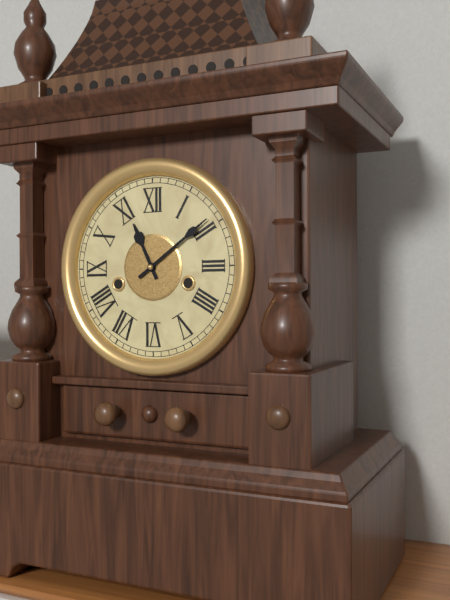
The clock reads 11 h 09 min
